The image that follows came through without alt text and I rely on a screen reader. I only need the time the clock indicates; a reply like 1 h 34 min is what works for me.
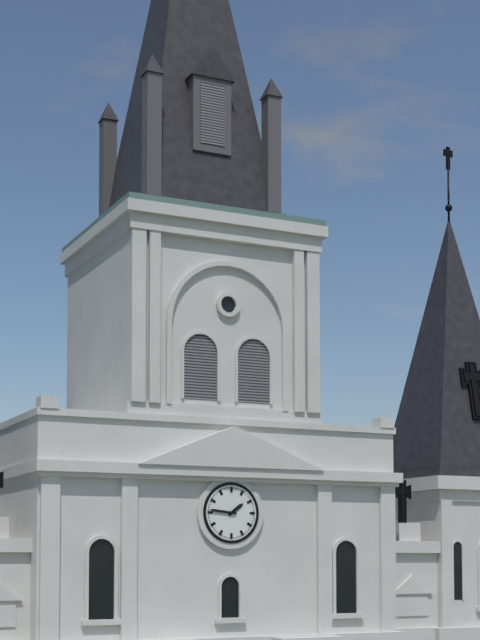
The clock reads 1 h 46 min
